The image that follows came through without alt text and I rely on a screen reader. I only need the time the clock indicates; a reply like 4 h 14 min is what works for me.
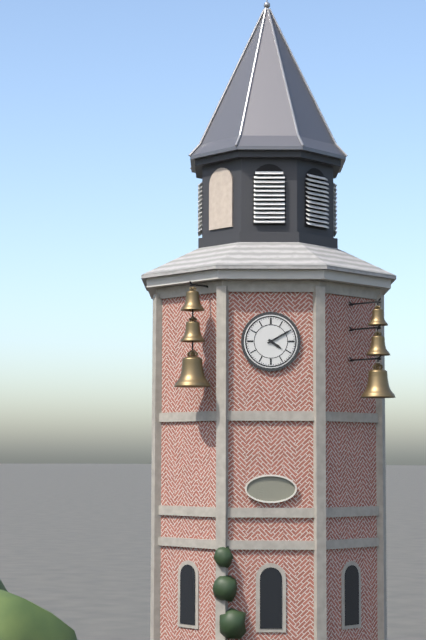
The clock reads 4 h 10 min
